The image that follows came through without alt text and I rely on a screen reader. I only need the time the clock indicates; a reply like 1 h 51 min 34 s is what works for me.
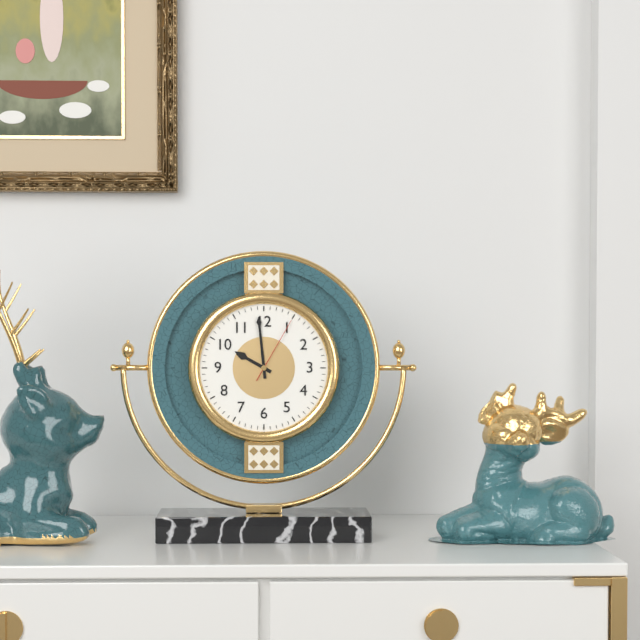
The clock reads 9 h 59 min 05 s
